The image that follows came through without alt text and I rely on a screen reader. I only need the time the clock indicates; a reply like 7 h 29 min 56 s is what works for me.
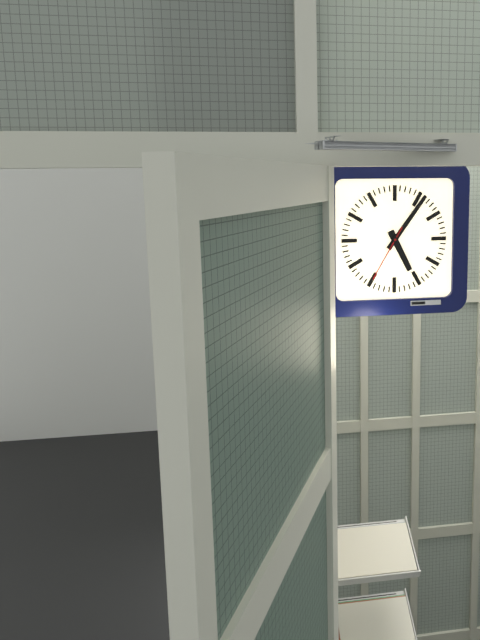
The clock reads 5 h 06 min 35 s
